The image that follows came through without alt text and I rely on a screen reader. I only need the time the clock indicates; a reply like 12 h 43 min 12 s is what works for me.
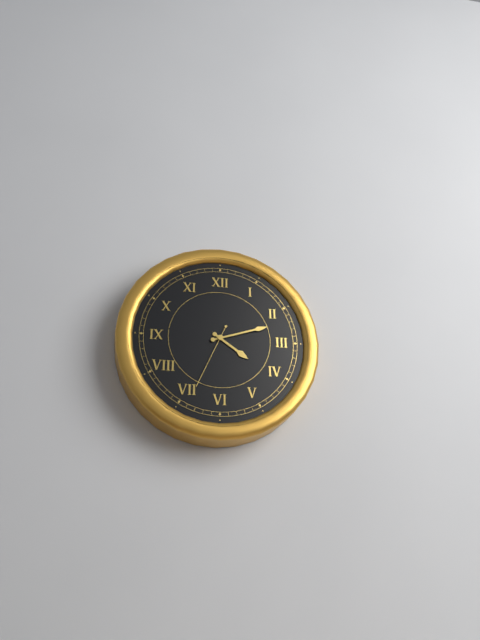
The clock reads 4 h 12 min 34 s
